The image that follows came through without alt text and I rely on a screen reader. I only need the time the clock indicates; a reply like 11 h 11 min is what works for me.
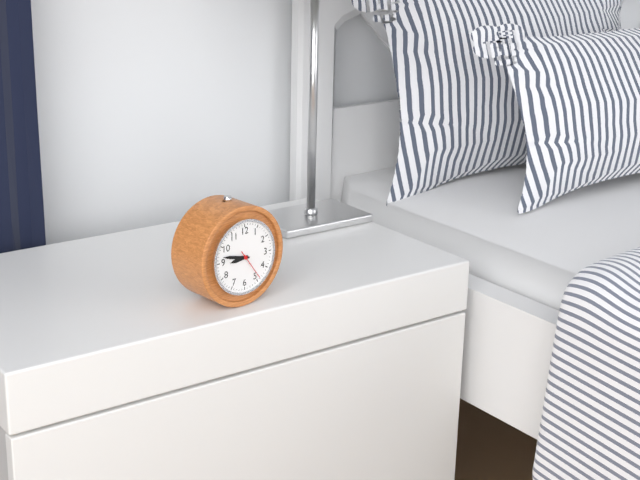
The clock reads 8 h 47 min
